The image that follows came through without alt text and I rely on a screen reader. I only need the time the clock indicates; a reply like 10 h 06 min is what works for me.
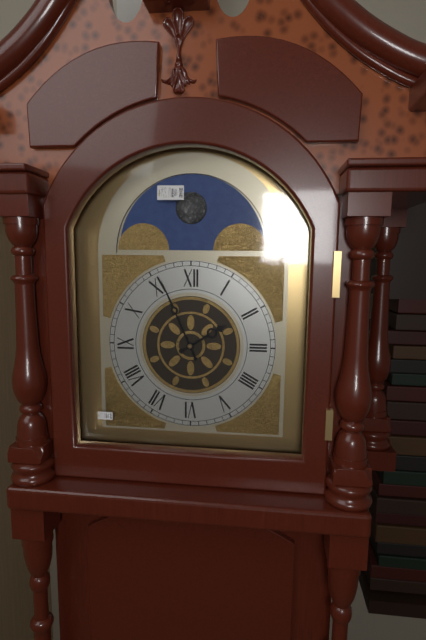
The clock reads 1 h 56 min
